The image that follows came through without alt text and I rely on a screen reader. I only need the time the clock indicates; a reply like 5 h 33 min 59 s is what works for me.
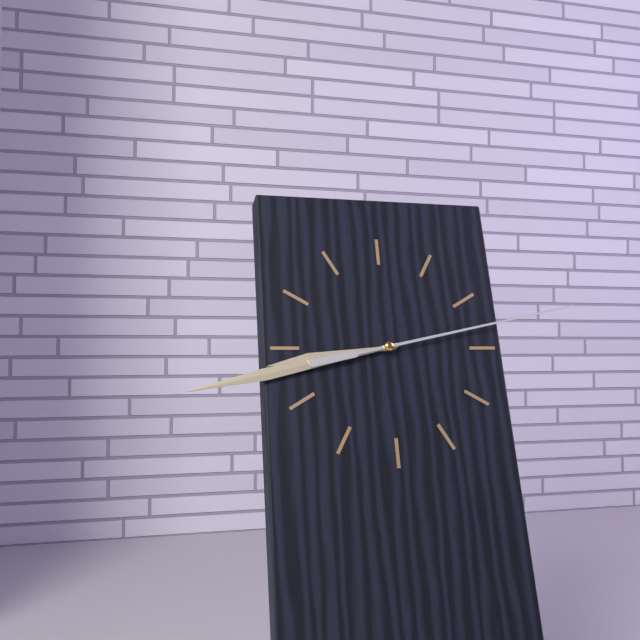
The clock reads 8 h 43 min 13 s
